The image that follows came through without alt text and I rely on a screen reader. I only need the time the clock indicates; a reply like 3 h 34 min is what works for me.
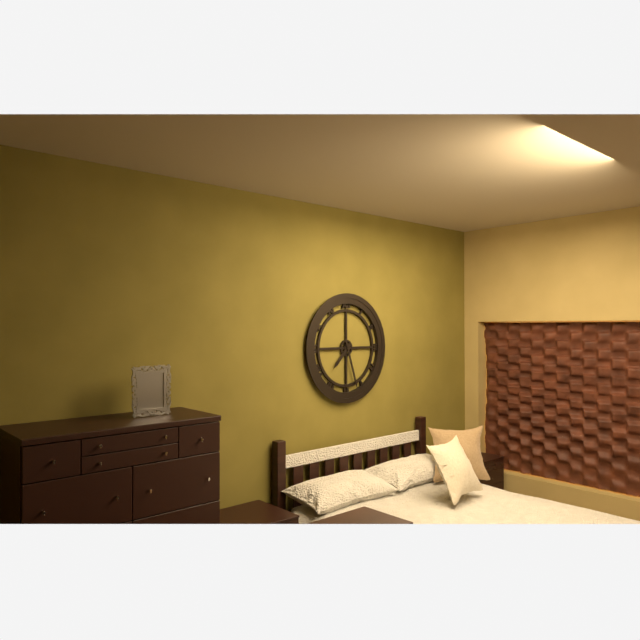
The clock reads 7 h 27 min
